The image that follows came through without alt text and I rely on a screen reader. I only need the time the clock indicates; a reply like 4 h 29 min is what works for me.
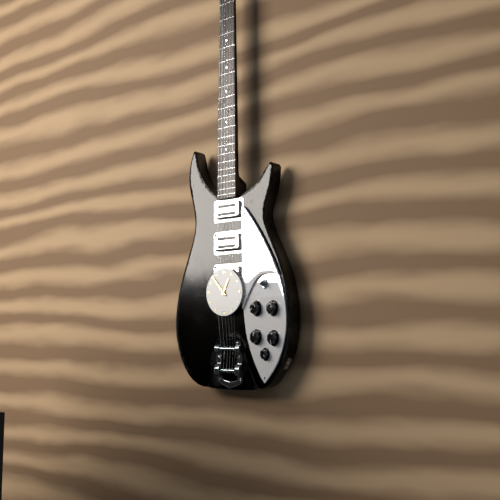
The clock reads 12 h 53 min
